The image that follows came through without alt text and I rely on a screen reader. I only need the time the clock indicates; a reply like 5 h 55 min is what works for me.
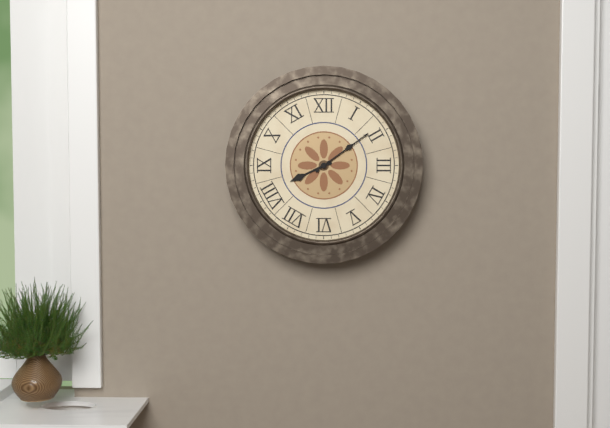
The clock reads 8 h 09 min
